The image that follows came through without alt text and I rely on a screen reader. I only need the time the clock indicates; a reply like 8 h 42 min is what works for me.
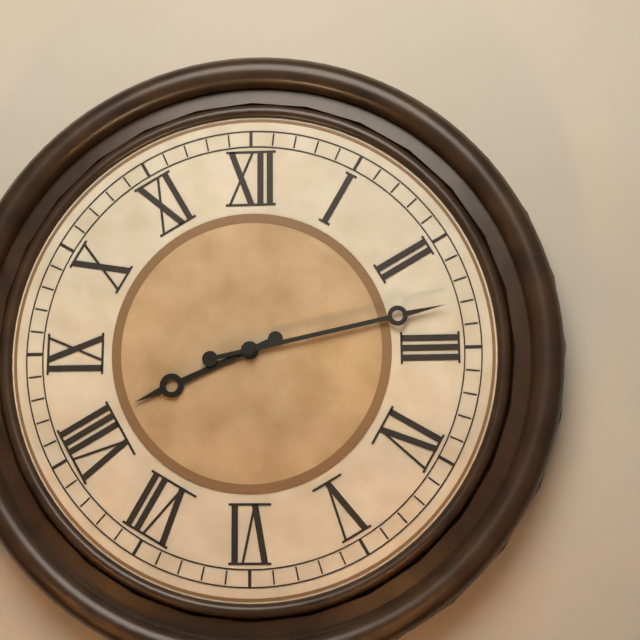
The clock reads 8 h 13 min
